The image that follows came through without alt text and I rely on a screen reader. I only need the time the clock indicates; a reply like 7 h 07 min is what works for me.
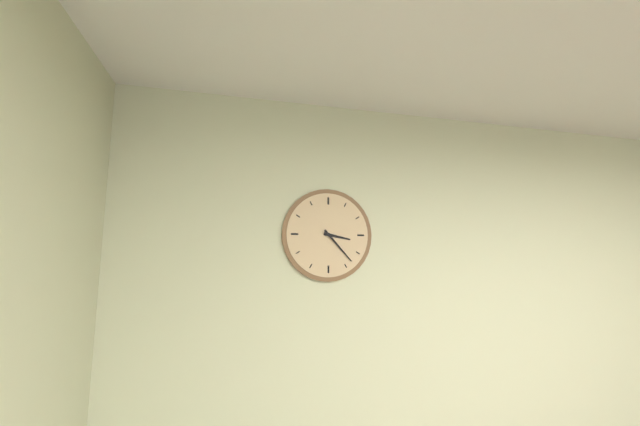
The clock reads 3 h 23 min
